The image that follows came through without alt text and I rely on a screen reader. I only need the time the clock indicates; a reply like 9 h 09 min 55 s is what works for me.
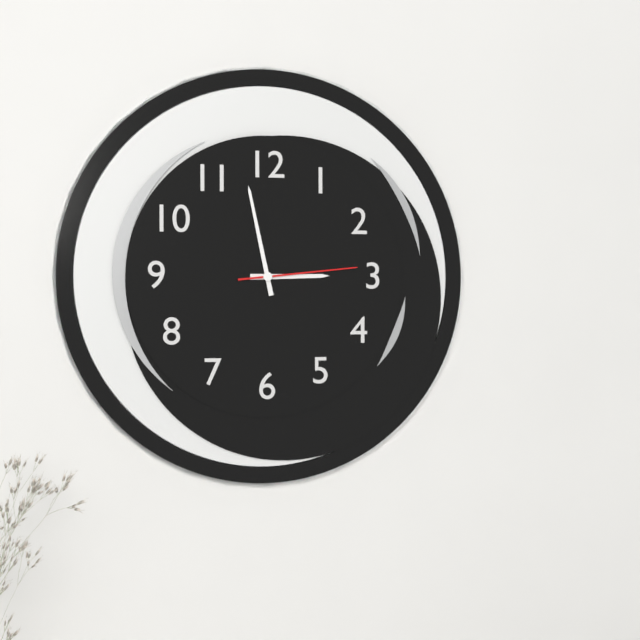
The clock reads 2 h 58 min 14 s
